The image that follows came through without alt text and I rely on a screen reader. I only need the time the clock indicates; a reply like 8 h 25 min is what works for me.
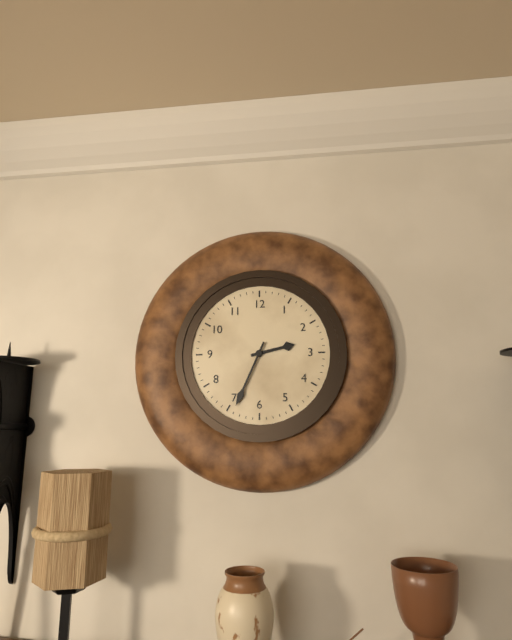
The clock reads 2 h 34 min
